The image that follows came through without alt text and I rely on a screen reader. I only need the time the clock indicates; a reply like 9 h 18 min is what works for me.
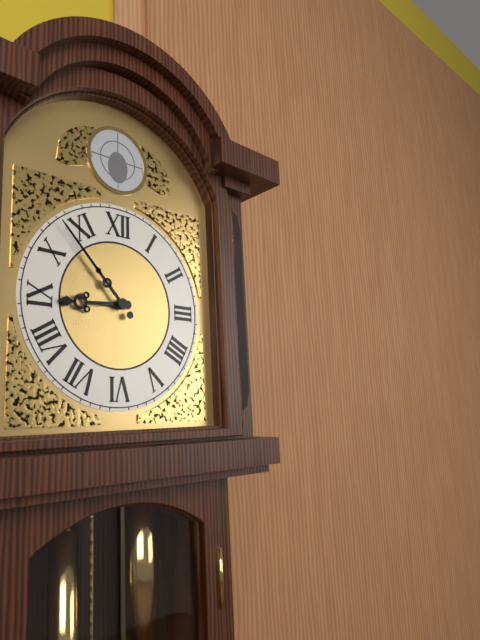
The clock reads 8 h 53 min
